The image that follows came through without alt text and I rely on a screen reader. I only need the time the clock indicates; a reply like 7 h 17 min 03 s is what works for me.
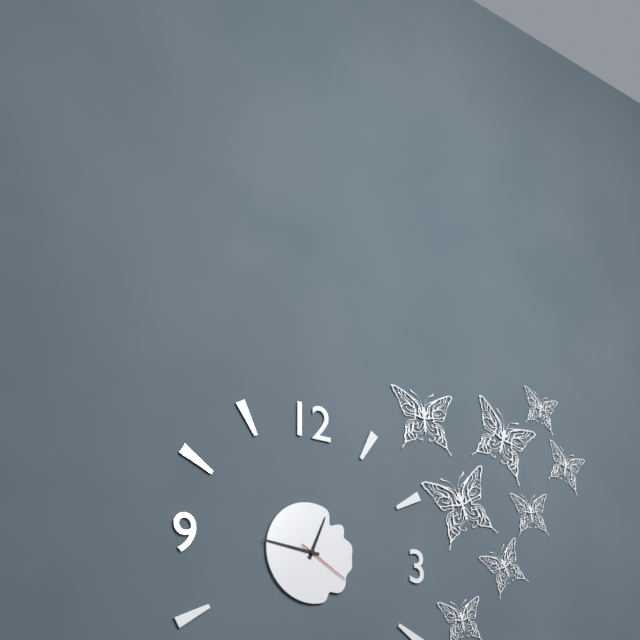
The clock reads 12 h 46 min 20 s
